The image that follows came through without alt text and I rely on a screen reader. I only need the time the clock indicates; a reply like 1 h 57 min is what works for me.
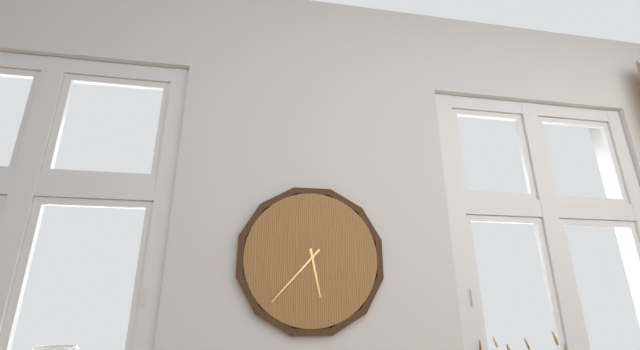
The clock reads 5 h 37 min
